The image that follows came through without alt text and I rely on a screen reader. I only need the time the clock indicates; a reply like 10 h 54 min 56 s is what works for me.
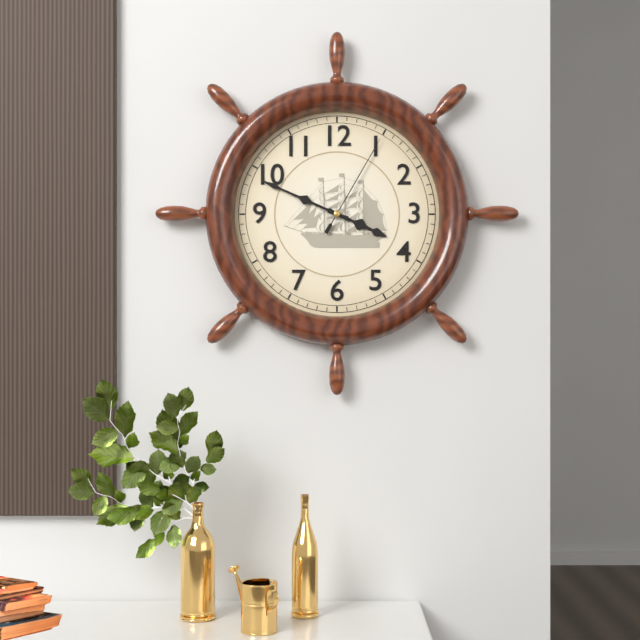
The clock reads 3 h 49 min 05 s
